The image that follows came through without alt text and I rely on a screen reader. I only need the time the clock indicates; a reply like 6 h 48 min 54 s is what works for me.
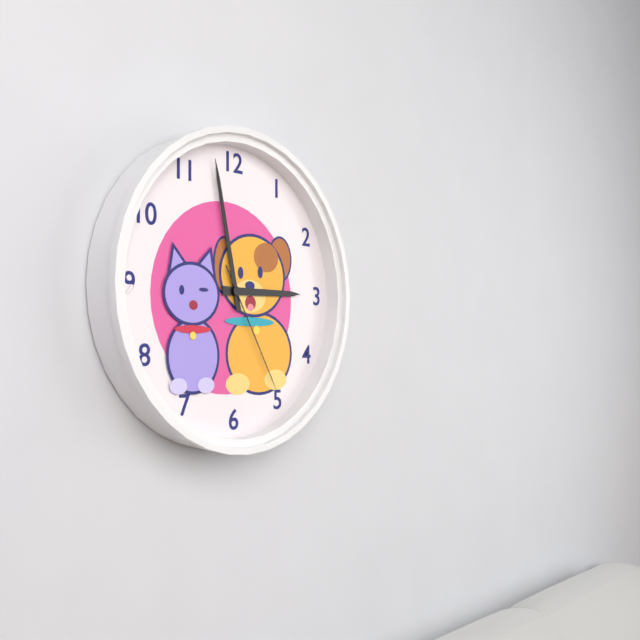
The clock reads 2 h 58 min 25 s
